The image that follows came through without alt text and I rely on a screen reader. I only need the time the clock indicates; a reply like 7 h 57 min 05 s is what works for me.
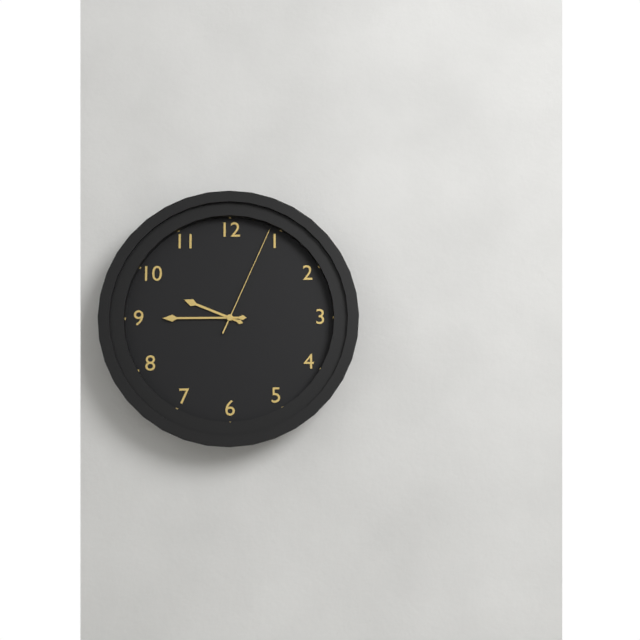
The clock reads 9 h 45 min 04 s
